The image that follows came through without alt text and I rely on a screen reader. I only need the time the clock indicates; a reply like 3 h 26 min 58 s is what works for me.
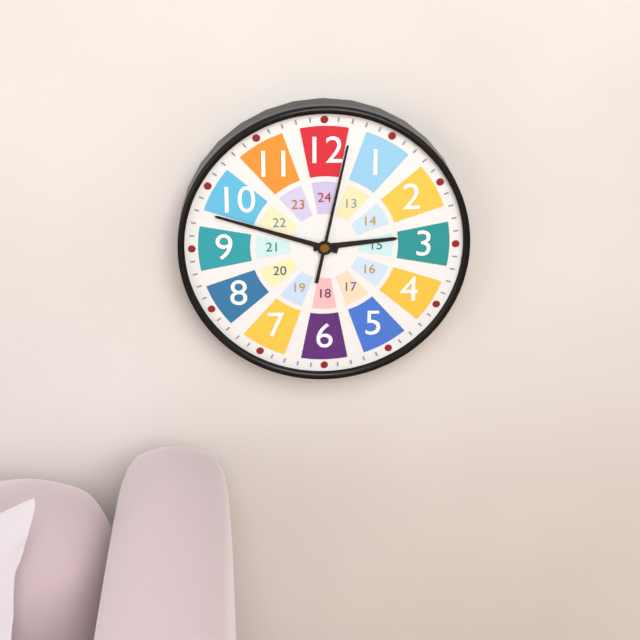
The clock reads 2 h 48 min 02 s
